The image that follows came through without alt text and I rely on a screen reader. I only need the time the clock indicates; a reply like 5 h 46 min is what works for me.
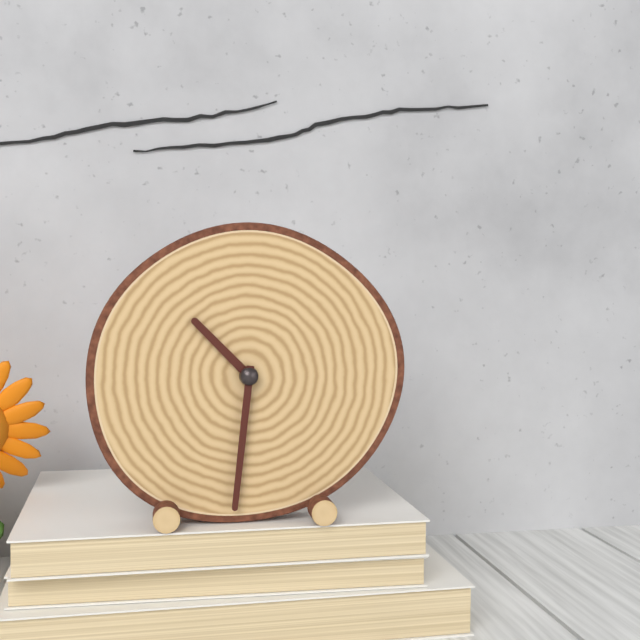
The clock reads 10 h 31 min
